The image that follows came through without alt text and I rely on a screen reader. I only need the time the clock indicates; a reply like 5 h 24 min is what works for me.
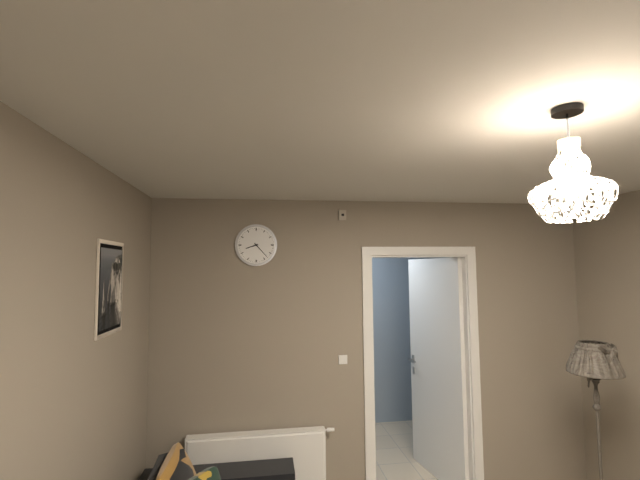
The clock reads 8 h 23 min
